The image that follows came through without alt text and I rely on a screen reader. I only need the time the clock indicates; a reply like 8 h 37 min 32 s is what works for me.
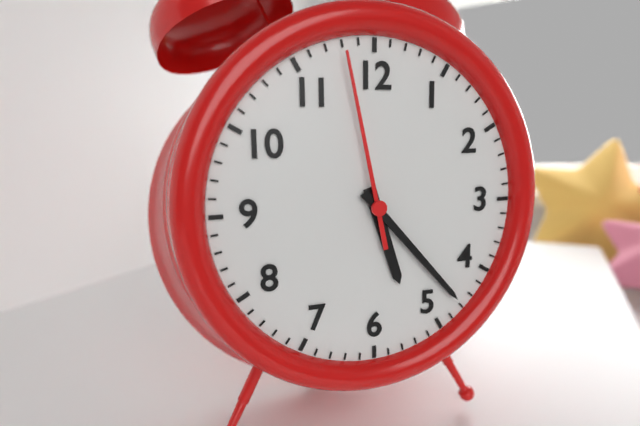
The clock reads 5 h 23 min 58 s
